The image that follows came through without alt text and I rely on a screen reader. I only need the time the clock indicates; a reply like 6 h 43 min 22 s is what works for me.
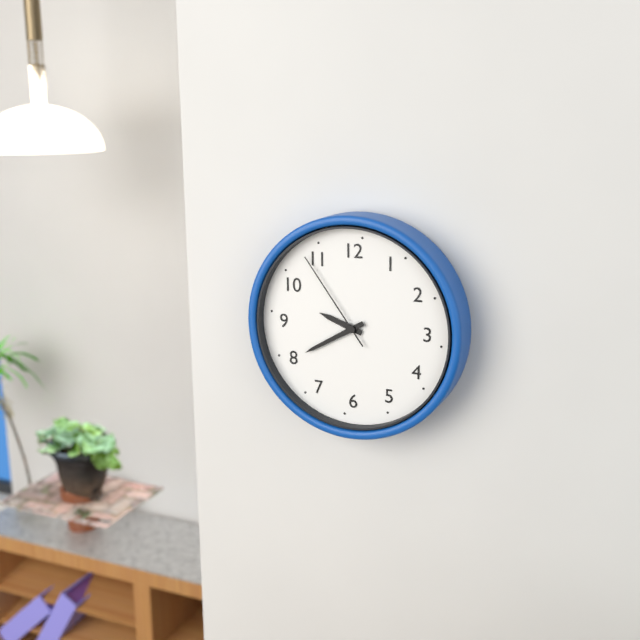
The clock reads 9 h 40 min 54 s
